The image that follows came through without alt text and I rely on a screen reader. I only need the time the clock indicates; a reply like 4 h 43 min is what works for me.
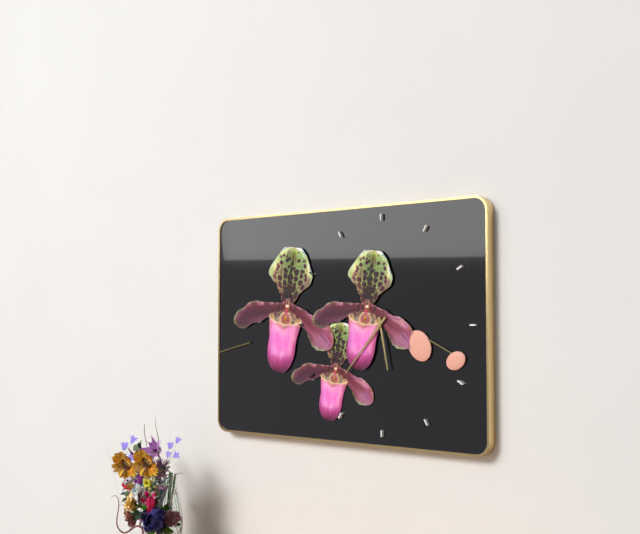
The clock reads 5 h 37 min
